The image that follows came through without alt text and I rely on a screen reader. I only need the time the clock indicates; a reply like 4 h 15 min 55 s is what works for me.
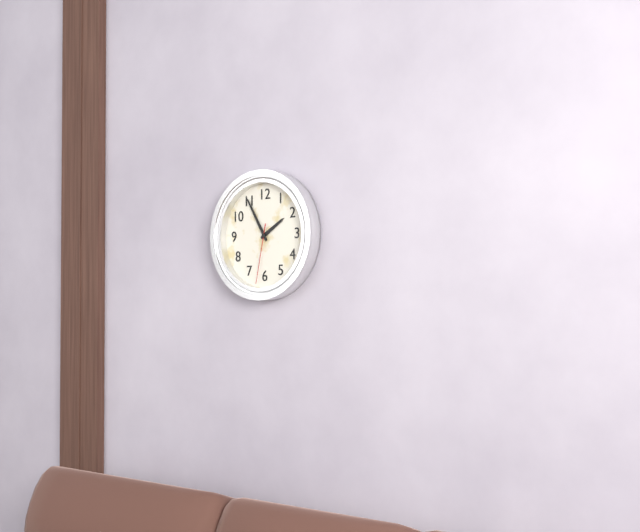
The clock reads 1 h 55 min 32 s
